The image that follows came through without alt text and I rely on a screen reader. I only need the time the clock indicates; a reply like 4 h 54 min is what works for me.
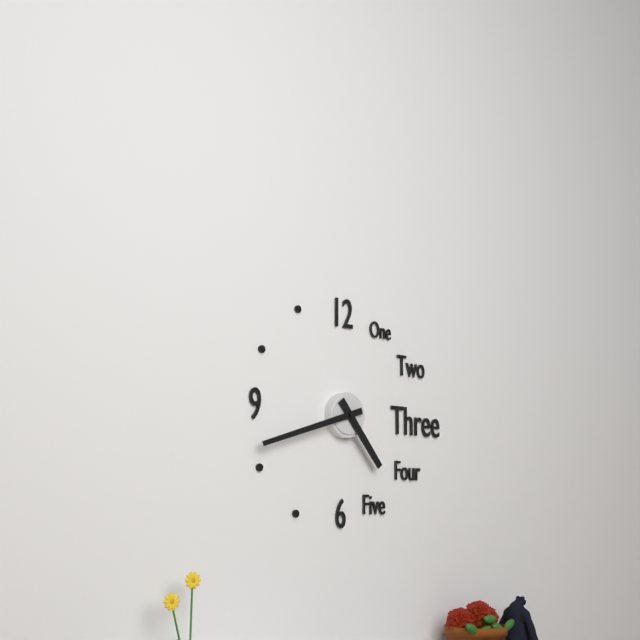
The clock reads 4 h 42 min
